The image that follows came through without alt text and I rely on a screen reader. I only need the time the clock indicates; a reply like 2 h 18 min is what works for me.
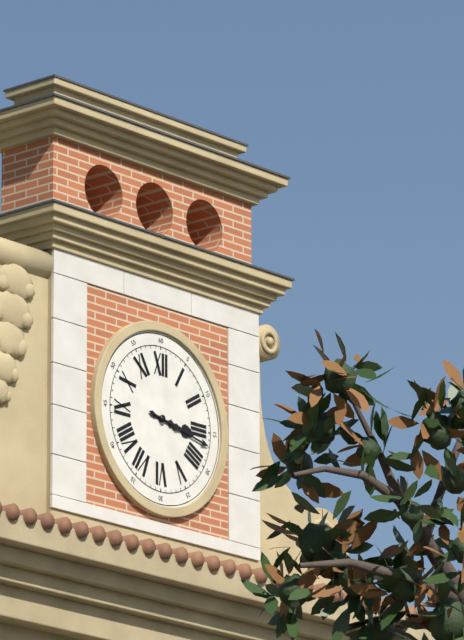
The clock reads 3 h 17 min
